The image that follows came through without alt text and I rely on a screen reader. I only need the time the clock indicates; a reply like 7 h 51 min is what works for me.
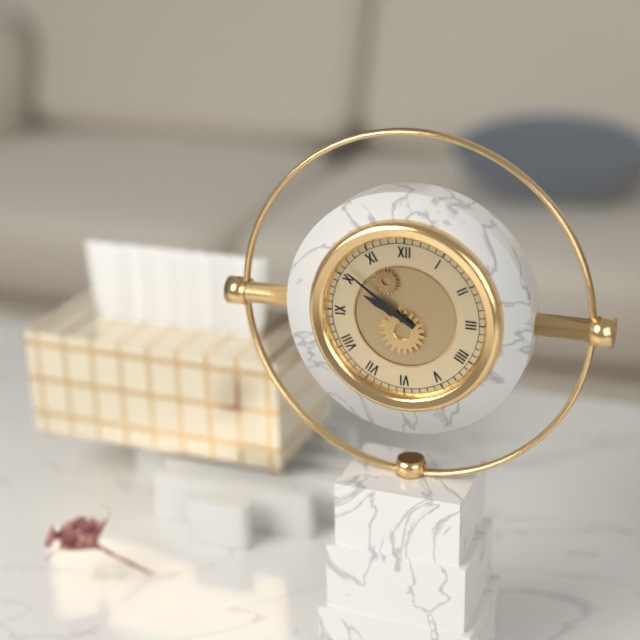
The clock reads 9 h 51 min
